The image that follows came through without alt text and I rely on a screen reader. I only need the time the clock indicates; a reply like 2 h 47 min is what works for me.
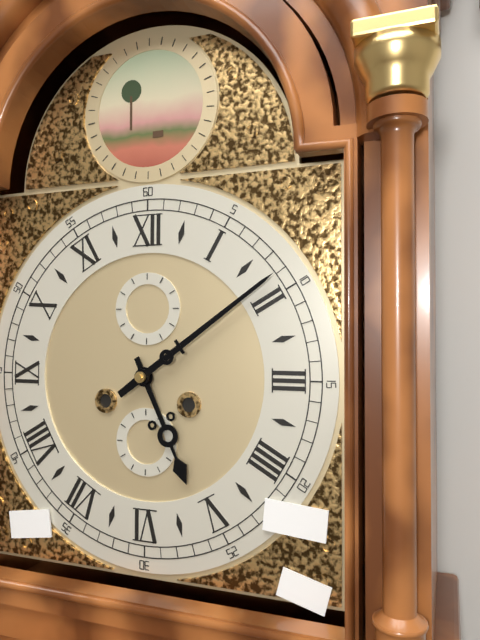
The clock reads 5 h 09 min
